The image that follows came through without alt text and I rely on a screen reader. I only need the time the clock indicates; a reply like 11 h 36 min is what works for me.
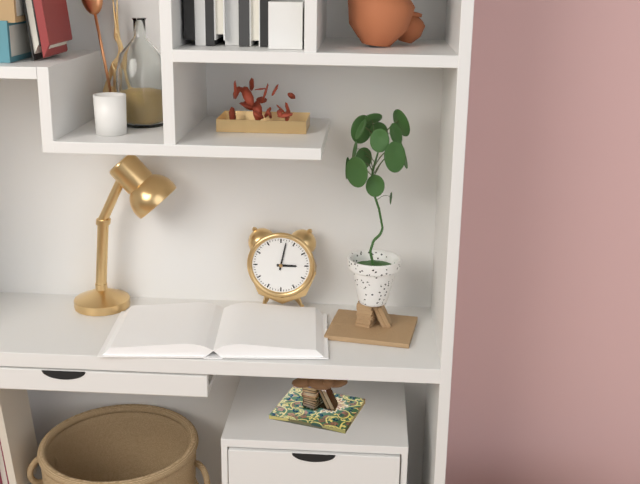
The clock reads 3 h 02 min
